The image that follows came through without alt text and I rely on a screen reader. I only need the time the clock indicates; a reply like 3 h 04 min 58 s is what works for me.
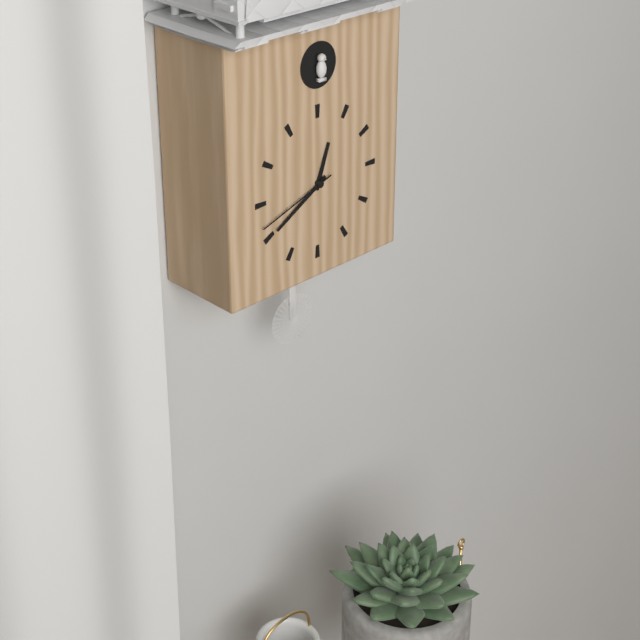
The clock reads 12 h 40 min 42 s
